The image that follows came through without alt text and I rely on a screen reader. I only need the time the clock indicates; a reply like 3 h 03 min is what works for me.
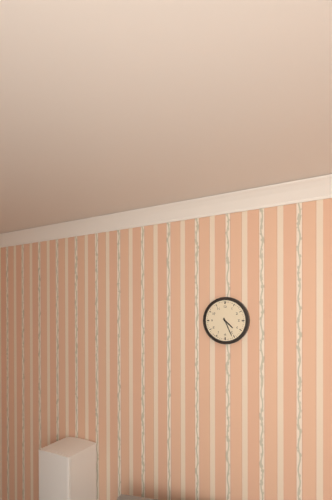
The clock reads 4 h 26 min
